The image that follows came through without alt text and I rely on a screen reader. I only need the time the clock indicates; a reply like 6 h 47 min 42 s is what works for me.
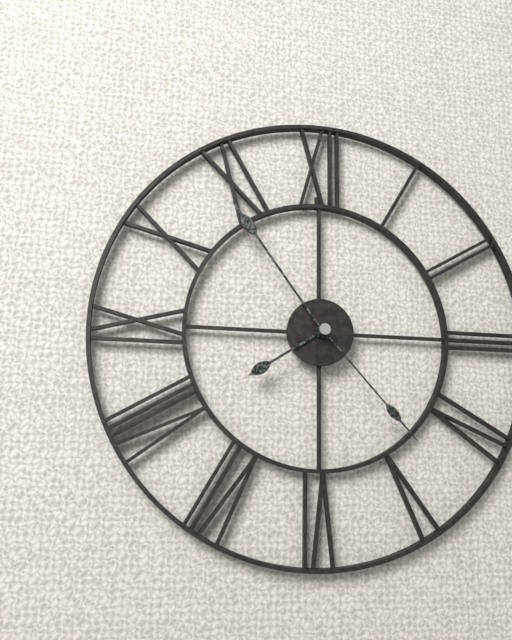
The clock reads 7 h 54 min 23 s
